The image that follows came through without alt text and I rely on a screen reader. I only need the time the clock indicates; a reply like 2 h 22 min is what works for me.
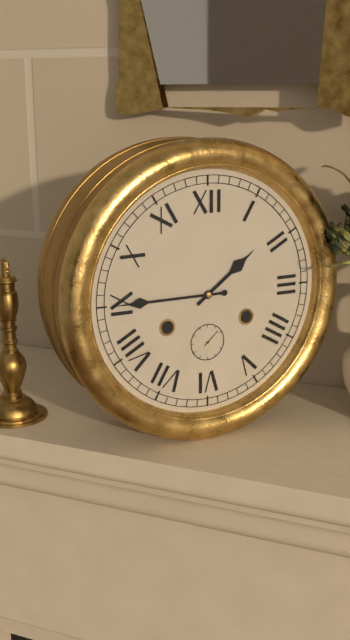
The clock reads 1 h 45 min
